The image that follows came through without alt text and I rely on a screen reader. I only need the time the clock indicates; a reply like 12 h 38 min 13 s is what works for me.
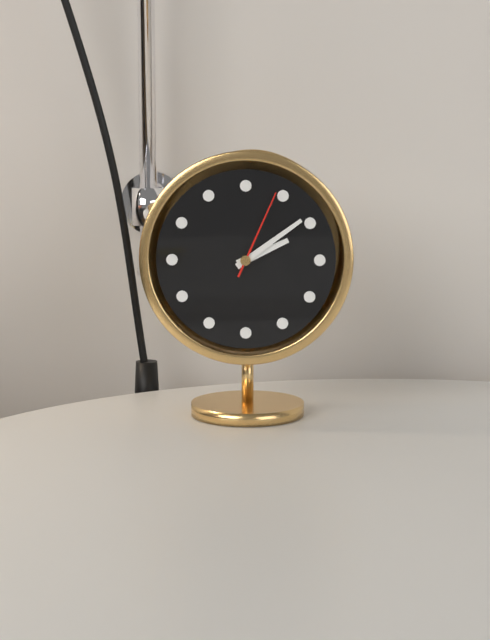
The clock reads 2 h 09 min 04 s
